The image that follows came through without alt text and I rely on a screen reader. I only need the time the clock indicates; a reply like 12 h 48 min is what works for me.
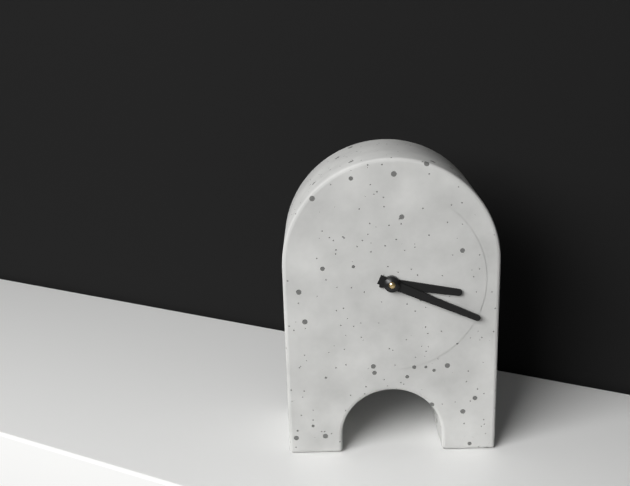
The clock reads 3 h 19 min
